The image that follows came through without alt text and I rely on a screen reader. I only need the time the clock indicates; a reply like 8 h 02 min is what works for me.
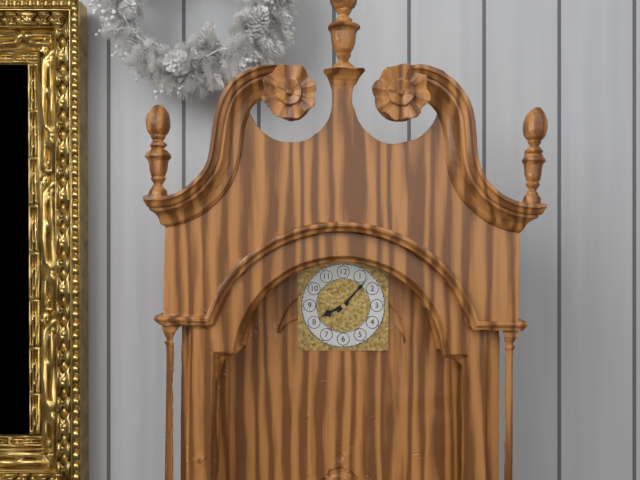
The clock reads 8 h 07 min
